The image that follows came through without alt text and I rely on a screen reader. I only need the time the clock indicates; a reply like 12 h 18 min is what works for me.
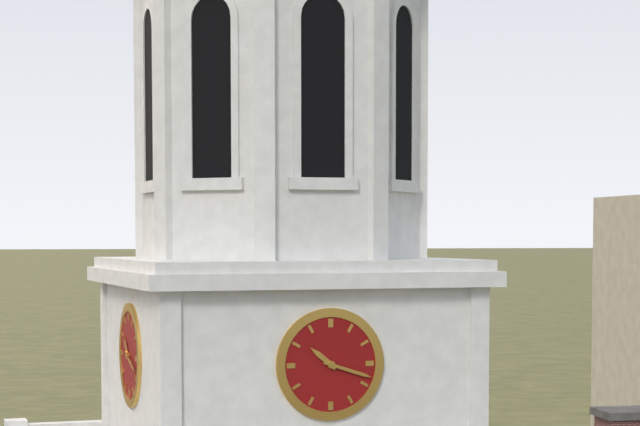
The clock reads 10 h 18 min
